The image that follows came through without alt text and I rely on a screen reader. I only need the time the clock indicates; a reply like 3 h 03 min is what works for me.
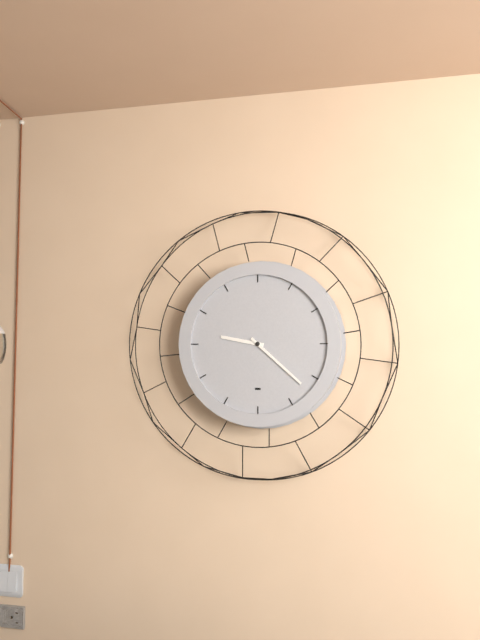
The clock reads 9 h 22 min
